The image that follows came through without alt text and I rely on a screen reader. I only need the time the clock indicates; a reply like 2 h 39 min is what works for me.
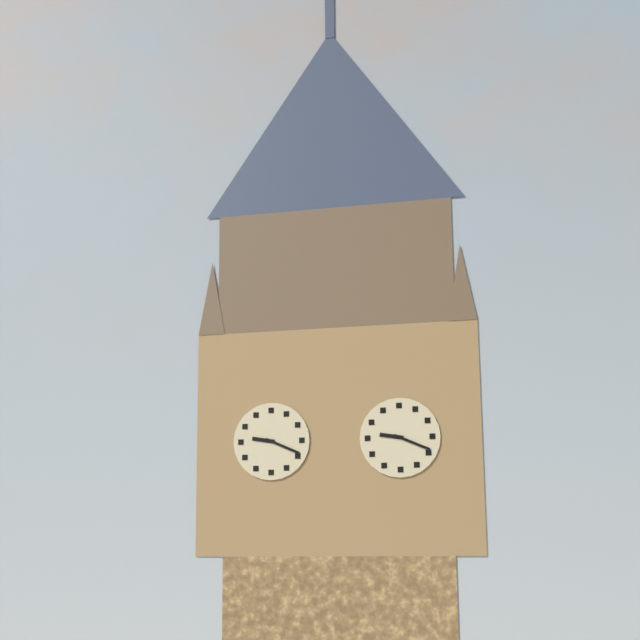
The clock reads 9 h 19 min
